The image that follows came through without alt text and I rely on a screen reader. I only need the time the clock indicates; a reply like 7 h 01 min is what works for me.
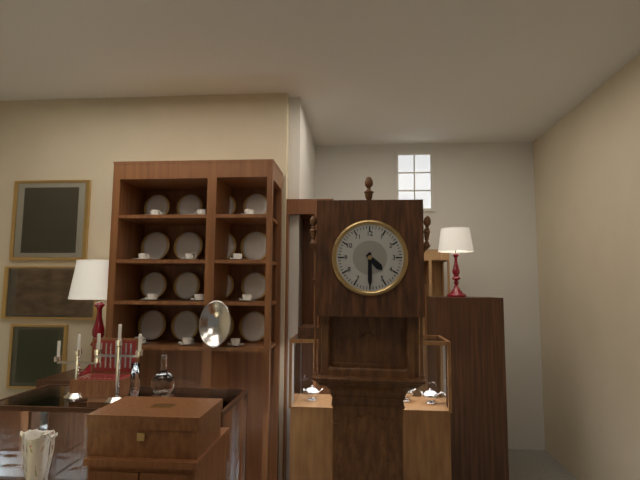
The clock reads 4 h 30 min
